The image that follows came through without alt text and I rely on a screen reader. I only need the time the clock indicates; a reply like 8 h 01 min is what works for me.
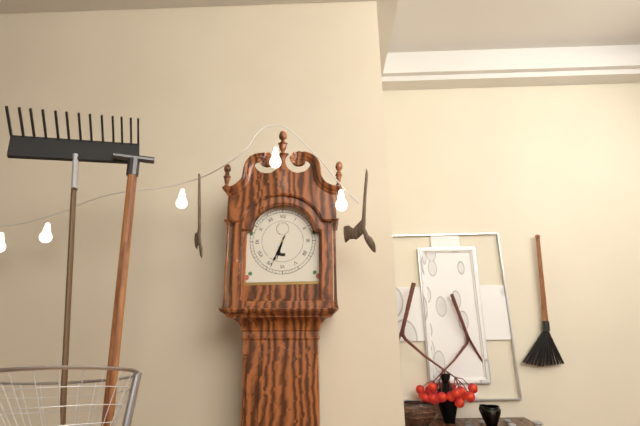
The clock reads 6 h 34 min
